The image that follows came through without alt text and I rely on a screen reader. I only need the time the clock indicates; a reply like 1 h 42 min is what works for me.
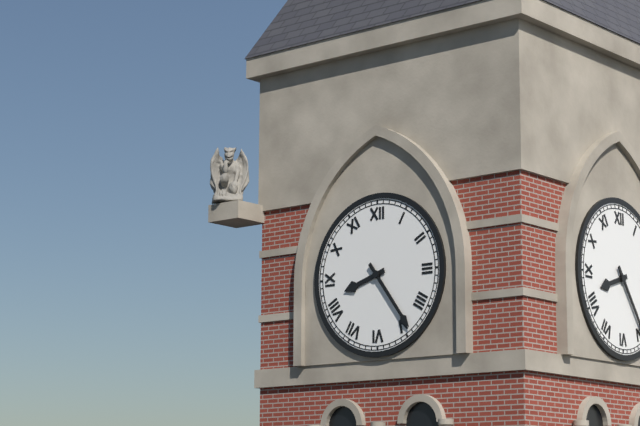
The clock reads 8 h 24 min
